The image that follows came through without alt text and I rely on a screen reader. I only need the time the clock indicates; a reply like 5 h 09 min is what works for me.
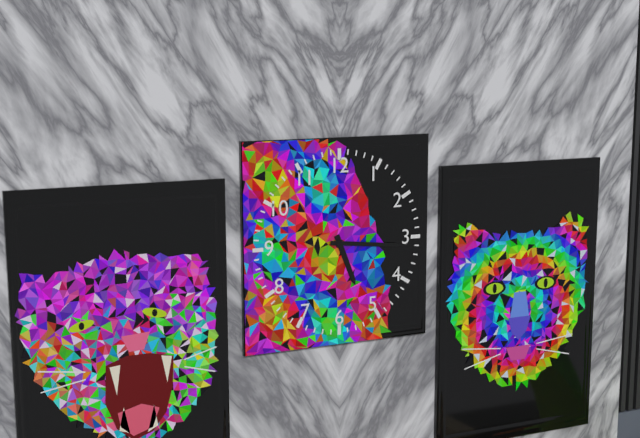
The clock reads 5 h 16 min
